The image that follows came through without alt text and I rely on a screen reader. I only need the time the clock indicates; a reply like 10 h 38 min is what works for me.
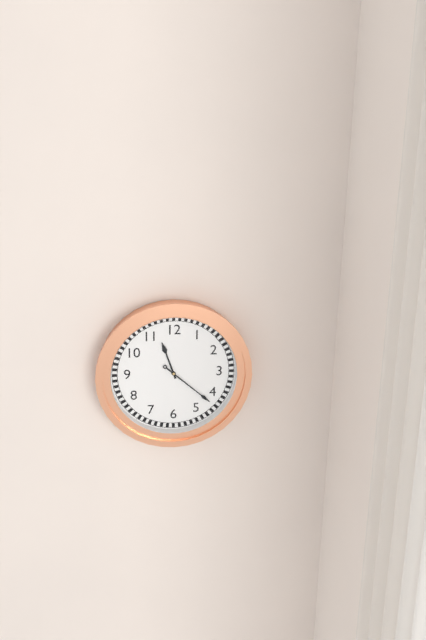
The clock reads 11 h 22 min
